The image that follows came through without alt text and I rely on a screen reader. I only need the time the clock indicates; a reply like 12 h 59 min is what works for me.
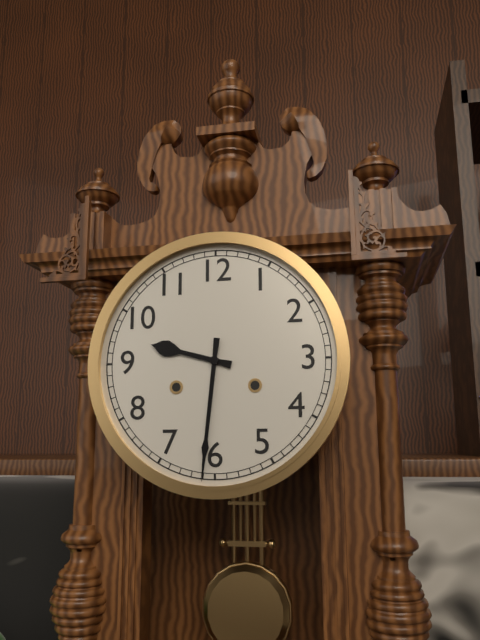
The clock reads 9 h 31 min
